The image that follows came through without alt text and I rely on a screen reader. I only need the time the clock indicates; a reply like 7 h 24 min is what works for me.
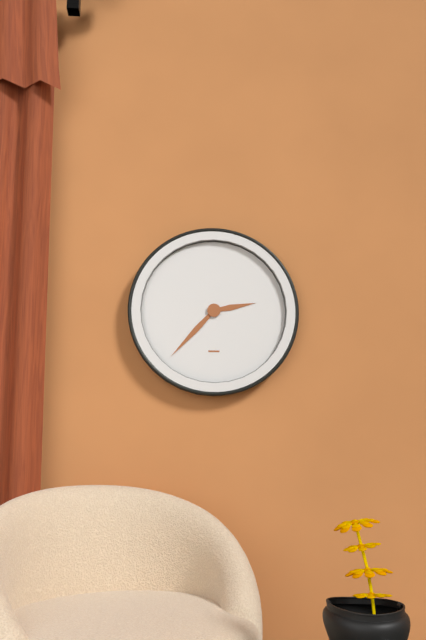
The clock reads 2 h 37 min
